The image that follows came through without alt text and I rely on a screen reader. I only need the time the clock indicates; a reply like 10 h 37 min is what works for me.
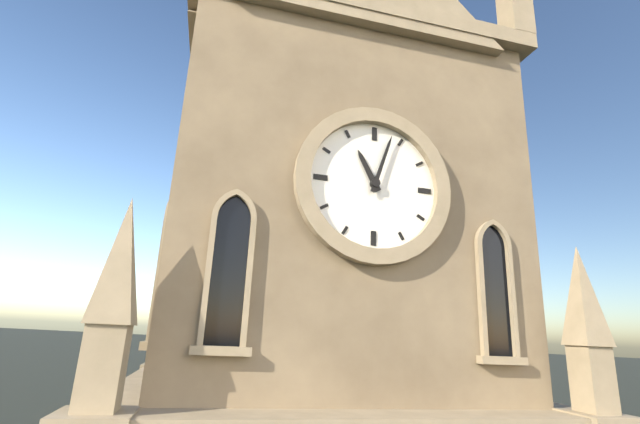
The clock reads 11 h 03 min
